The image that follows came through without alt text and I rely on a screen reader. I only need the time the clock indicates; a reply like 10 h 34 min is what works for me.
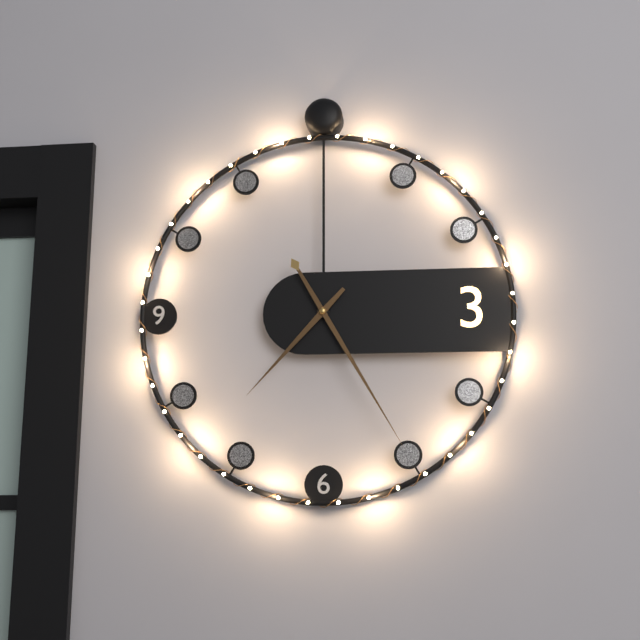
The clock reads 7 h 25 min
